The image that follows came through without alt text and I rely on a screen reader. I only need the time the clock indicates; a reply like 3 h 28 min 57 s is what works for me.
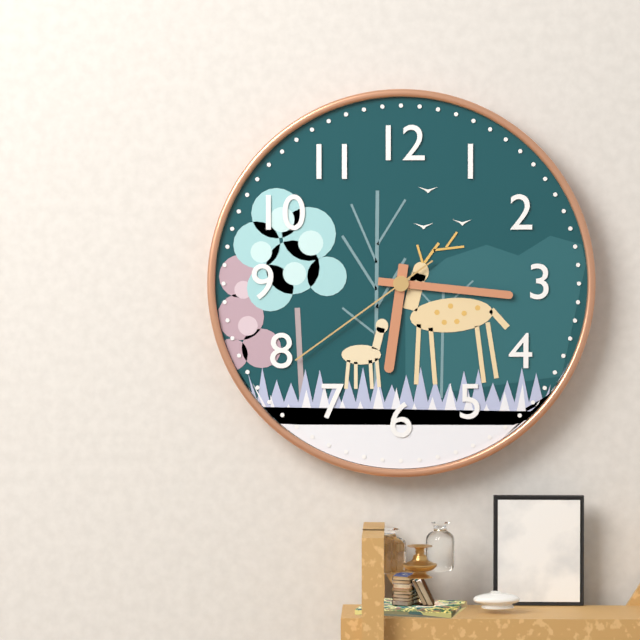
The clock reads 6 h 16 min 39 s
